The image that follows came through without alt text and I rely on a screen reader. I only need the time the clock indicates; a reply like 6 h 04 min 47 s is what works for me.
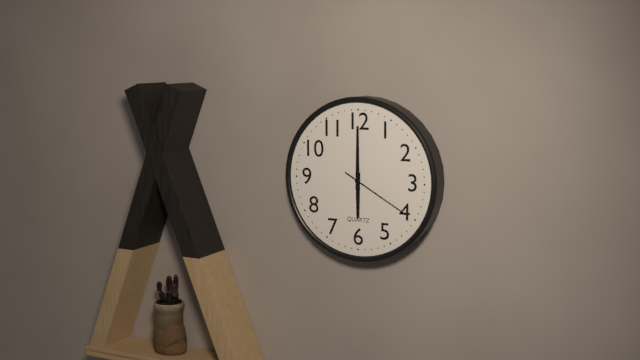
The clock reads 6 h 00 min 20 s
